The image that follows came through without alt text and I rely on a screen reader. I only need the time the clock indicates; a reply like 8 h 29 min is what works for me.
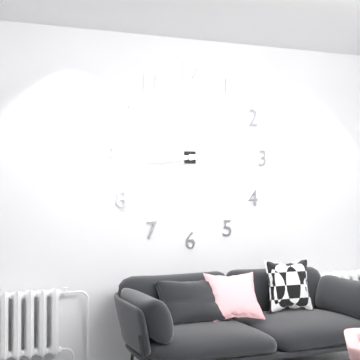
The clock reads 8 h 45 min
